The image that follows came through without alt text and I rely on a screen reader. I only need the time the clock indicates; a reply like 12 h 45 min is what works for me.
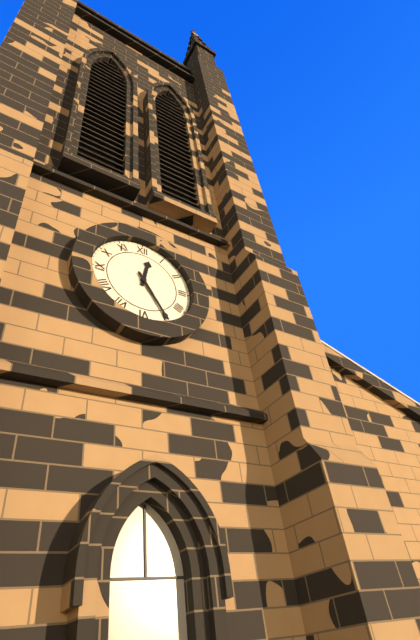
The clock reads 12 h 25 min
